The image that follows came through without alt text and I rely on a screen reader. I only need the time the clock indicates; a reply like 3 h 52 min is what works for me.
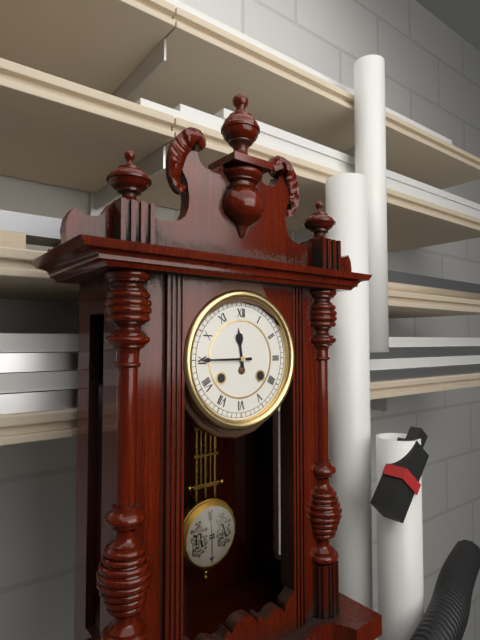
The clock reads 11 h 45 min
